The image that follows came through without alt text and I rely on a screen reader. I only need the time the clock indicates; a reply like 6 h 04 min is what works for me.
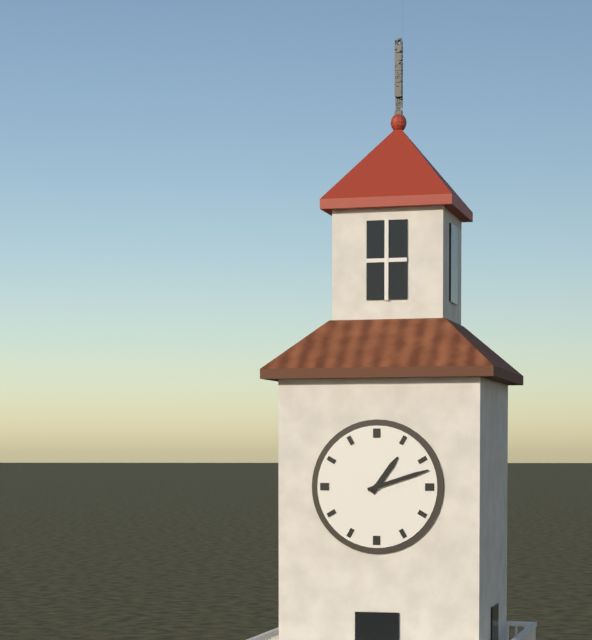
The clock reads 1 h 12 min
